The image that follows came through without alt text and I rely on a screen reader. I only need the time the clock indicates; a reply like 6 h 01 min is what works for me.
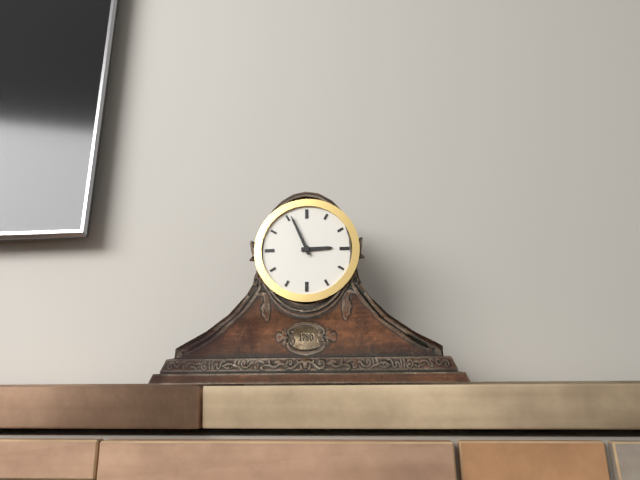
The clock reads 2 h 56 min
